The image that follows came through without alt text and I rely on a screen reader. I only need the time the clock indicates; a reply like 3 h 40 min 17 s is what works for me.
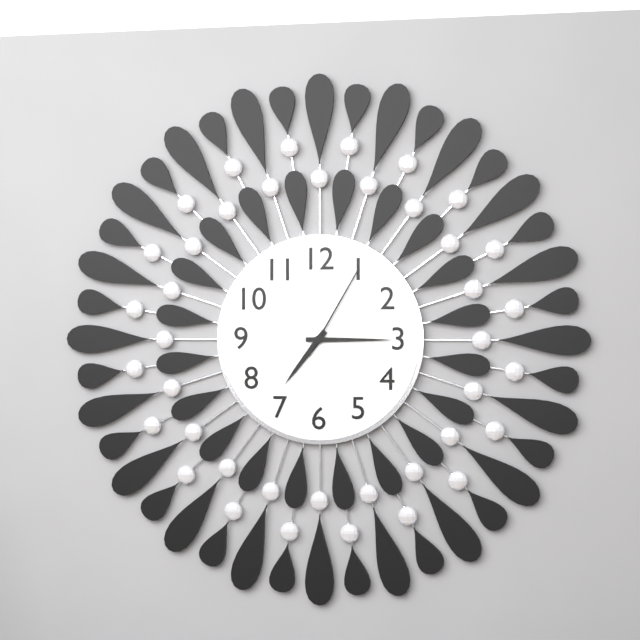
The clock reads 7 h 15 min 05 s
